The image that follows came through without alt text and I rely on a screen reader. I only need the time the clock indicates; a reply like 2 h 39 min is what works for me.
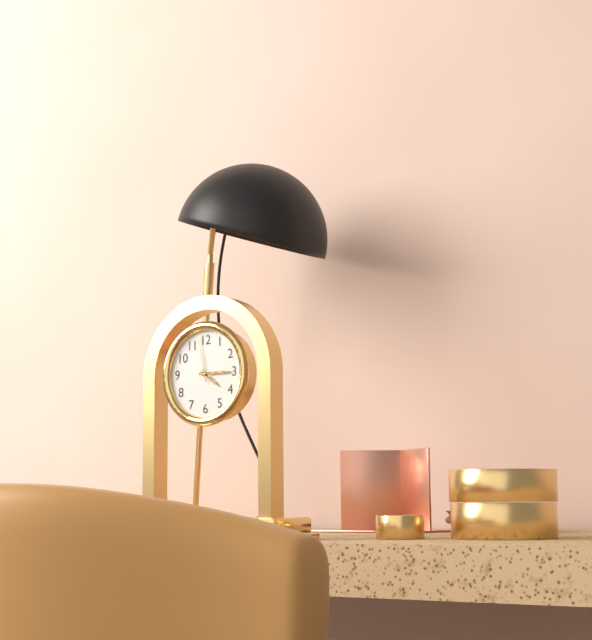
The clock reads 4 h 15 min
